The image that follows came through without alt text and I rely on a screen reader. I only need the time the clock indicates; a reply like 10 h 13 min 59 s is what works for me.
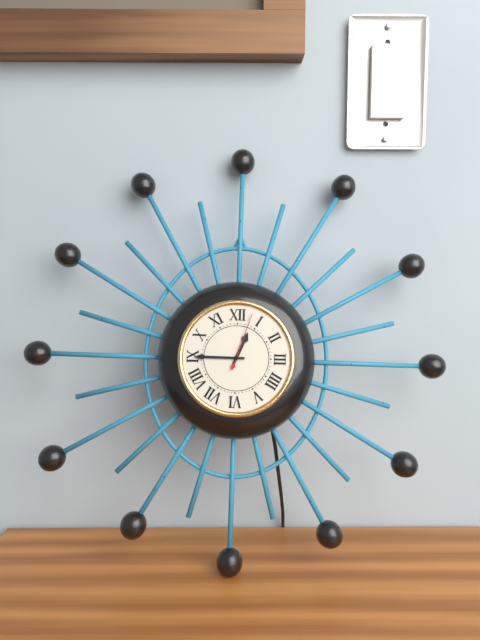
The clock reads 12 h 45 min 03 s
